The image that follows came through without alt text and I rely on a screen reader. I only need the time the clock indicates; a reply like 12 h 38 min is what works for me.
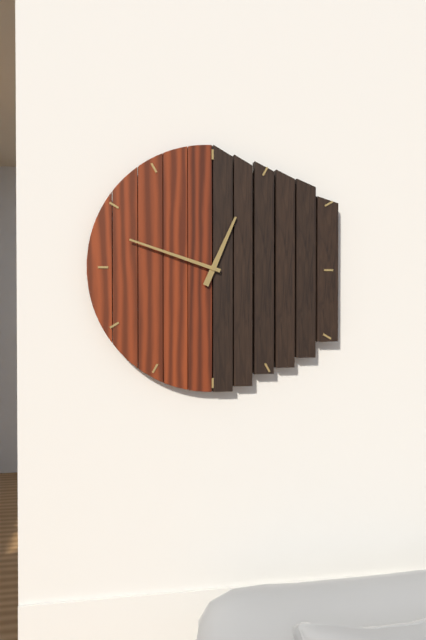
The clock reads 12 h 48 min
